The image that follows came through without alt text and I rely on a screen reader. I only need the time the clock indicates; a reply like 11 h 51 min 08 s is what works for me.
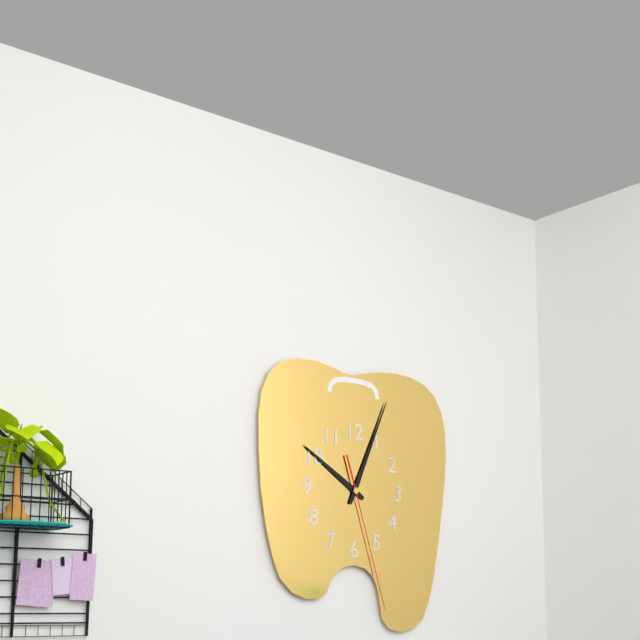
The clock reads 10 h 04 min 27 s
